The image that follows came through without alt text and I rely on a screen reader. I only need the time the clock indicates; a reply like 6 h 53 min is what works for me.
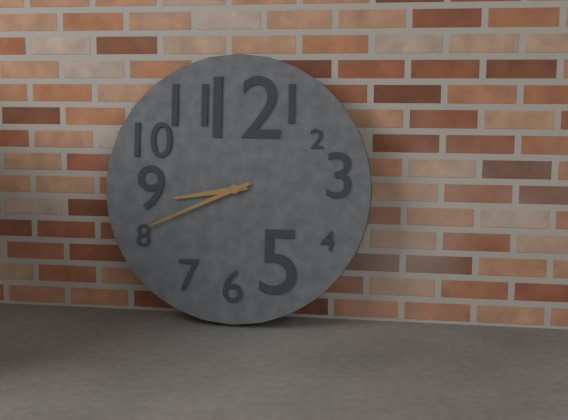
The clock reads 8 h 41 min
